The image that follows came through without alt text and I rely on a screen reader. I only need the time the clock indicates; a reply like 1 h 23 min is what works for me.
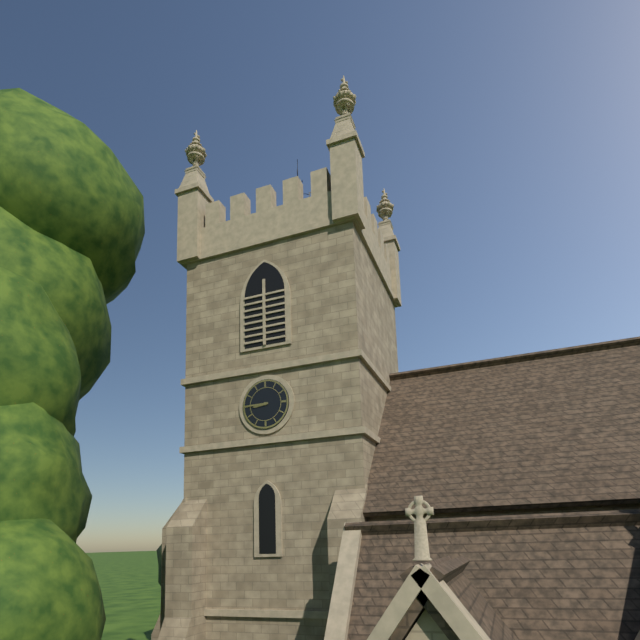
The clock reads 8 h 45 min
